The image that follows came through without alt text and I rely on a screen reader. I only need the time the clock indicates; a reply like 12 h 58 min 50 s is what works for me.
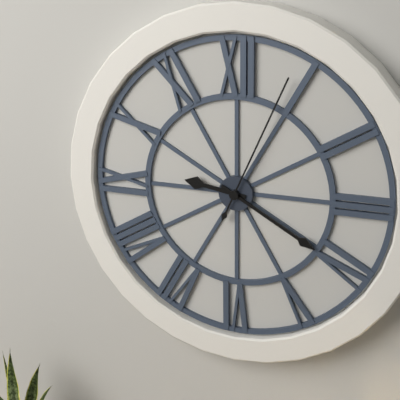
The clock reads 9 h 20 min 04 s
